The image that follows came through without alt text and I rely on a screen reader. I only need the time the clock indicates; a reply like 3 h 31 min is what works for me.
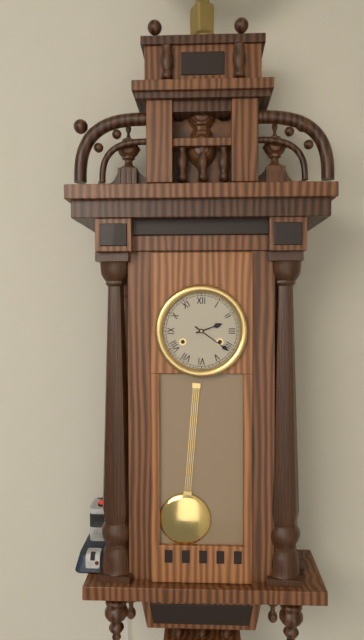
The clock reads 2 h 21 min
